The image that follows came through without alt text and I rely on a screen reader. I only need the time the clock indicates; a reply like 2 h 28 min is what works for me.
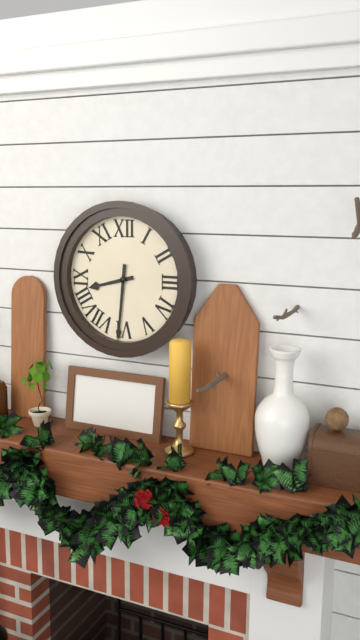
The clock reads 8 h 31 min
